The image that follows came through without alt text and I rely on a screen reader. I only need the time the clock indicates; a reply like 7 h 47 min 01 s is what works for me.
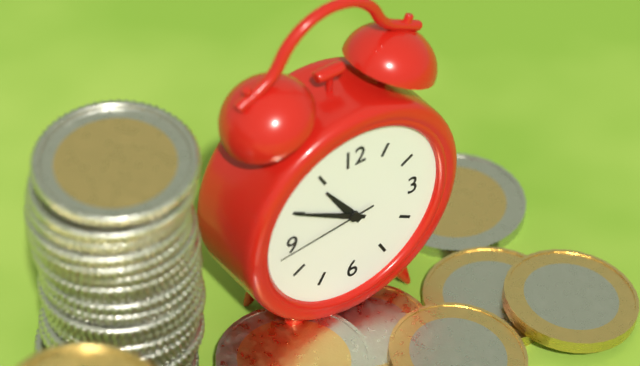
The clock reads 10 h 50 min 44 s
